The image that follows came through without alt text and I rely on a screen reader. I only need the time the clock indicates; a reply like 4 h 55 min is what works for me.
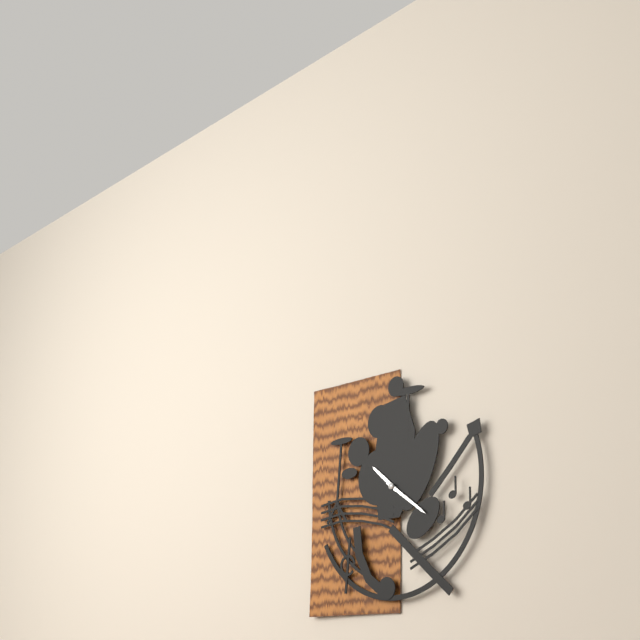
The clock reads 10 h 21 min
